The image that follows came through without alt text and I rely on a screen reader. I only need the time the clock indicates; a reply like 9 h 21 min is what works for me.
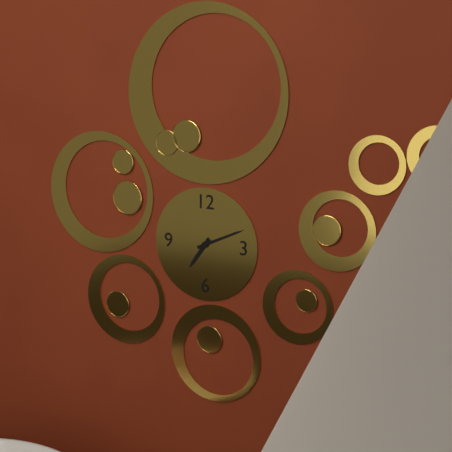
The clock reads 7 h 11 min
